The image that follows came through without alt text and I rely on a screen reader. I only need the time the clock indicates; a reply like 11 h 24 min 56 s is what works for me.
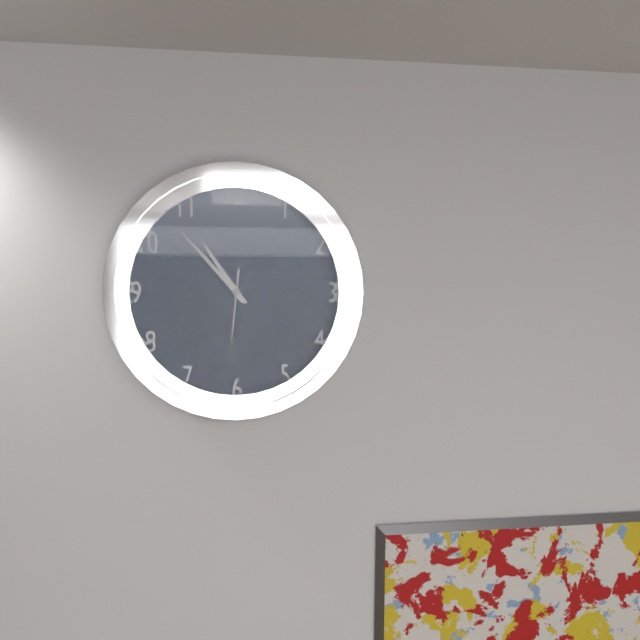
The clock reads 10 h 53 min 31 s
